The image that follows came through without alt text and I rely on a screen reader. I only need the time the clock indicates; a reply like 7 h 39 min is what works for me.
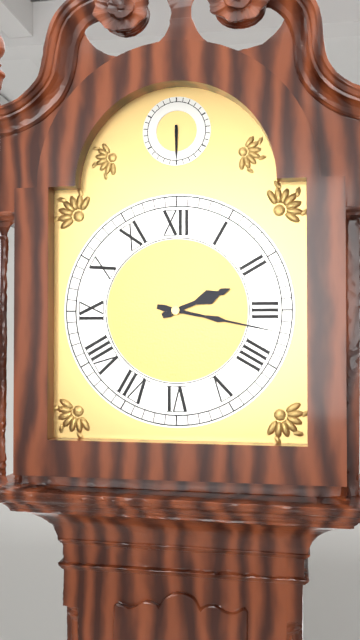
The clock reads 2 h 17 min
